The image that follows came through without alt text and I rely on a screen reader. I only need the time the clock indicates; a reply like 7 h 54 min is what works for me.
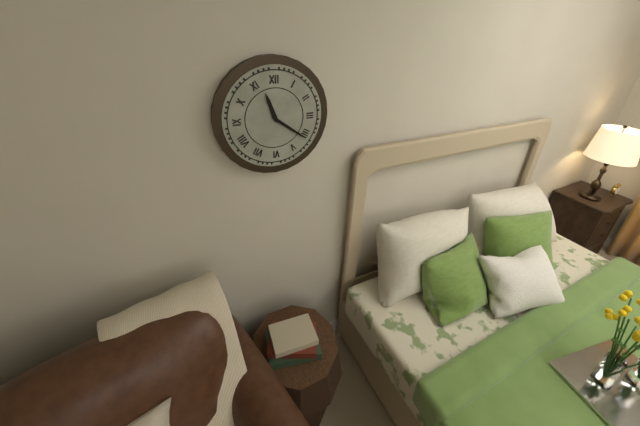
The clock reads 11 h 21 min
